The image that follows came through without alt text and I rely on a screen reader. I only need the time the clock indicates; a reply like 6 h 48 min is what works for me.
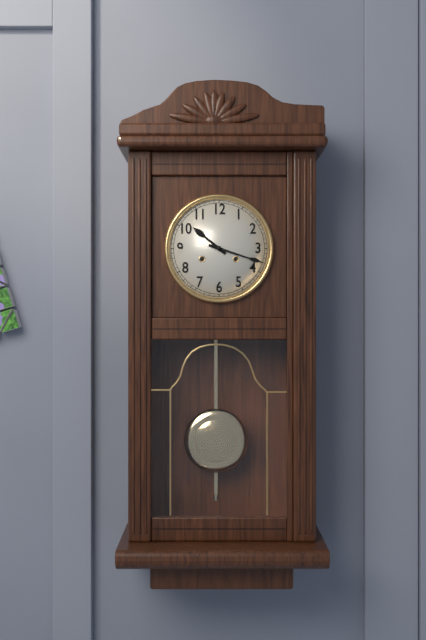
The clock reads 10 h 18 min
